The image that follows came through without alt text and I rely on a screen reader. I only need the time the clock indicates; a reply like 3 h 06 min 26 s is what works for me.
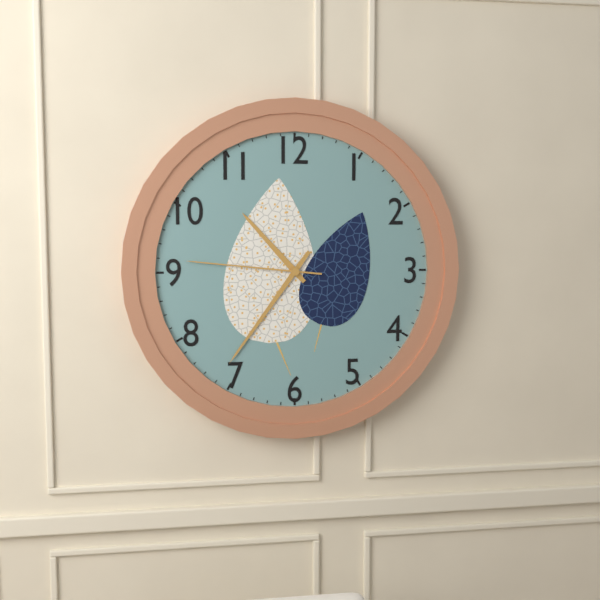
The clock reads 10 h 36 min 46 s
